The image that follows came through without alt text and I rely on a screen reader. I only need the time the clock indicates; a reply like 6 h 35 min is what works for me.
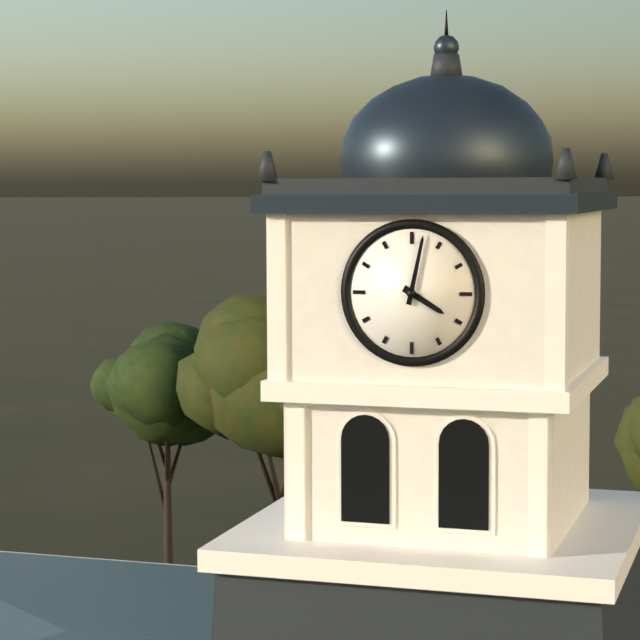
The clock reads 4 h 02 min
